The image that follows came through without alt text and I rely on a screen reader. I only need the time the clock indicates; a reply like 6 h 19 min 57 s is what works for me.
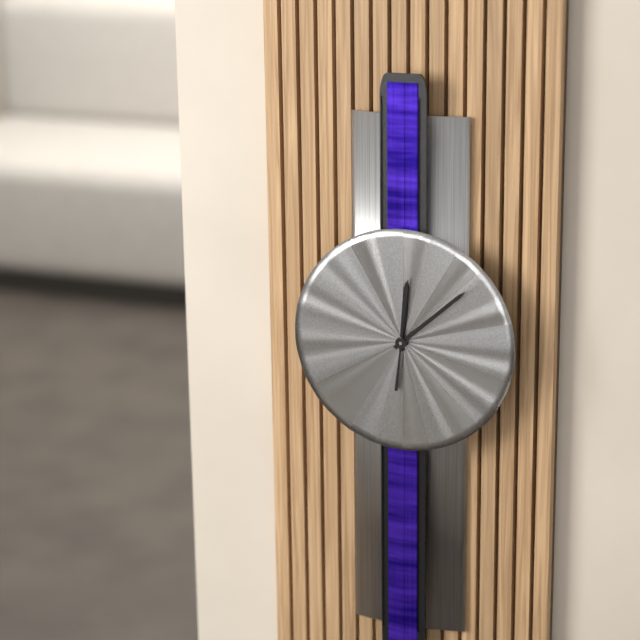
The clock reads 12 h 08 min 01 s
